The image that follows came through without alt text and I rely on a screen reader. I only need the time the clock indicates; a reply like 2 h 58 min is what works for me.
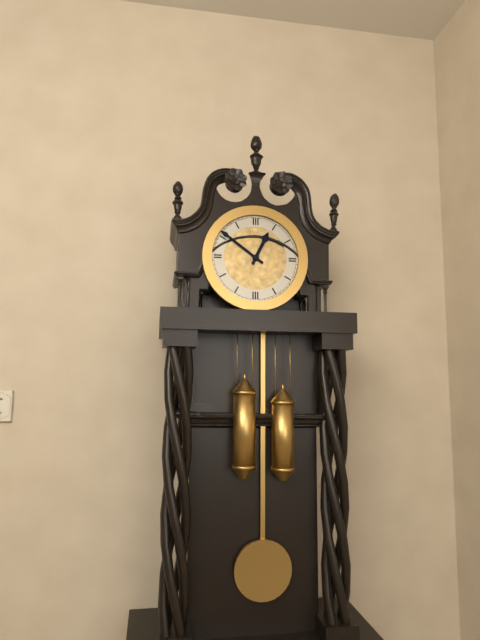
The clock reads 12 h 51 min
